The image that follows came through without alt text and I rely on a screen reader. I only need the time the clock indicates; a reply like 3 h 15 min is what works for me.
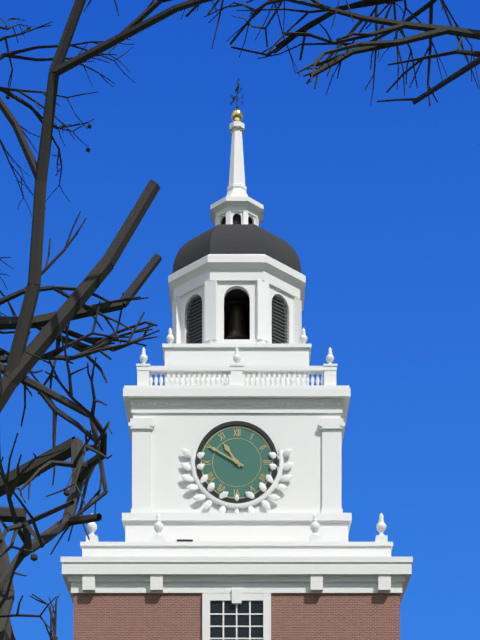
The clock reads 10 h 50 min
